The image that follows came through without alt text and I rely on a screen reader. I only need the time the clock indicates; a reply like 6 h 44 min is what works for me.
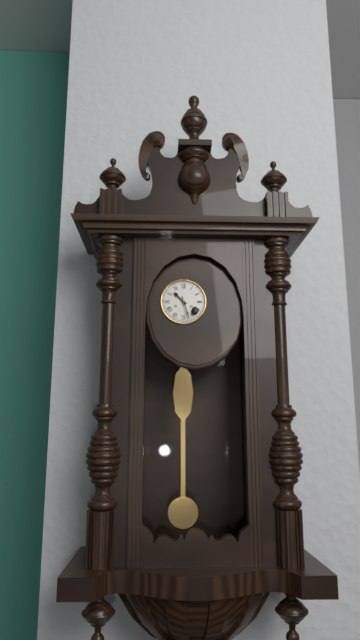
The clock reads 10 h 27 min
